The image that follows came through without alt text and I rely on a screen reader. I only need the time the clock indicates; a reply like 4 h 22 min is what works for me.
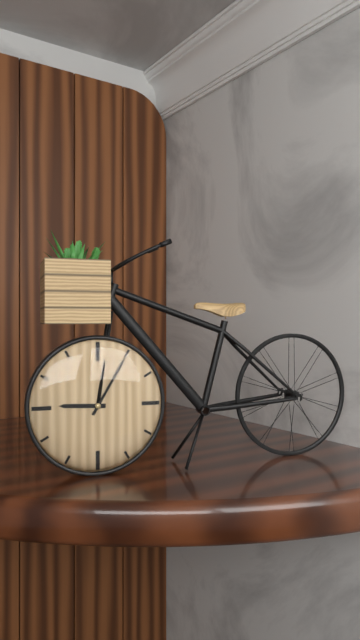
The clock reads 9 h 05 min
